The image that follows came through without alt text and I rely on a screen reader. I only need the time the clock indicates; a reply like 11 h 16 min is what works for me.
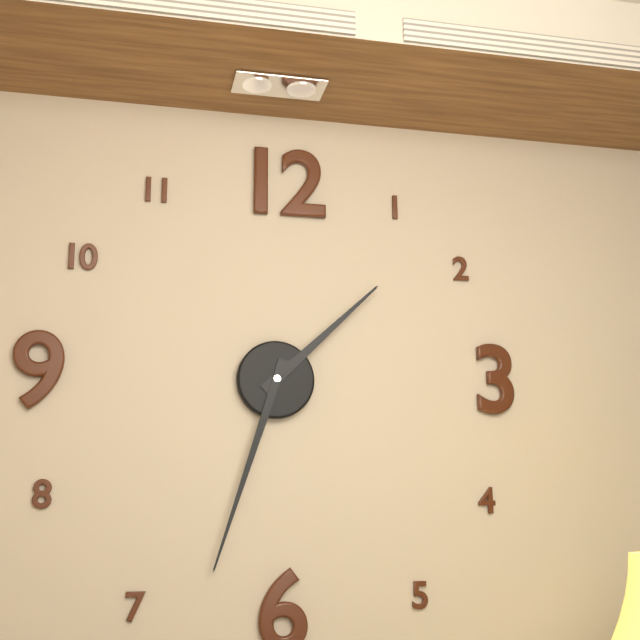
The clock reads 1 h 33 min
